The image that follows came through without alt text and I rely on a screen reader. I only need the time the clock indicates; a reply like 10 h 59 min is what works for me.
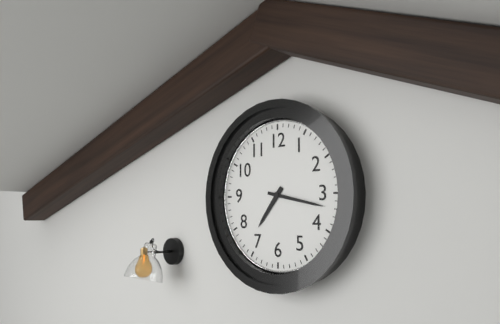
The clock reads 7 h 17 min
